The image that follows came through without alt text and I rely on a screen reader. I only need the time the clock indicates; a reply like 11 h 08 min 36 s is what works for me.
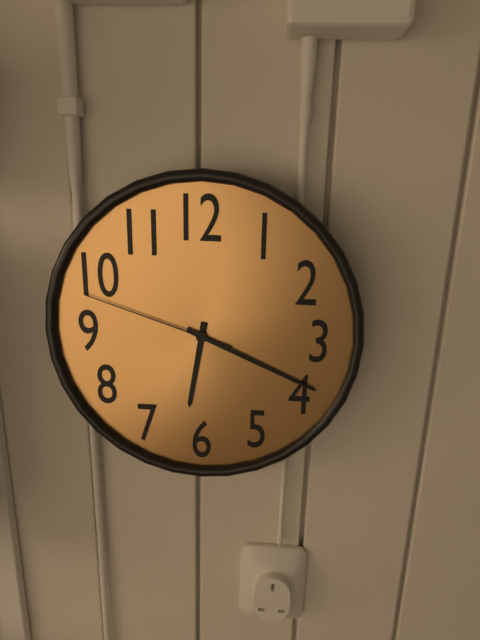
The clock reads 6 h 19 min 48 s
